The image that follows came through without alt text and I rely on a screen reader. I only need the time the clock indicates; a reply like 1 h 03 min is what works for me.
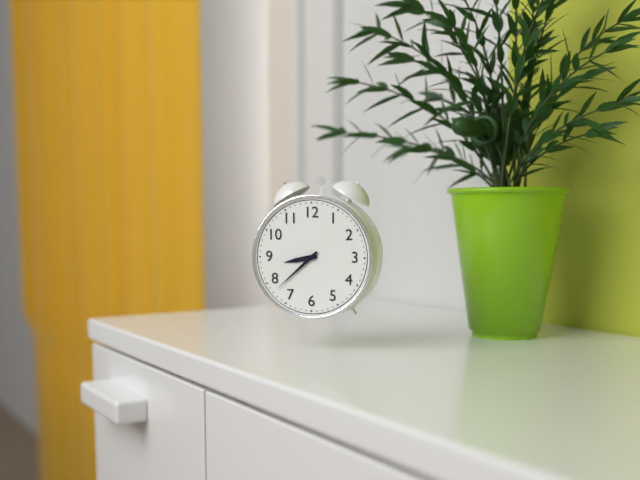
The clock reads 8 h 38 min
